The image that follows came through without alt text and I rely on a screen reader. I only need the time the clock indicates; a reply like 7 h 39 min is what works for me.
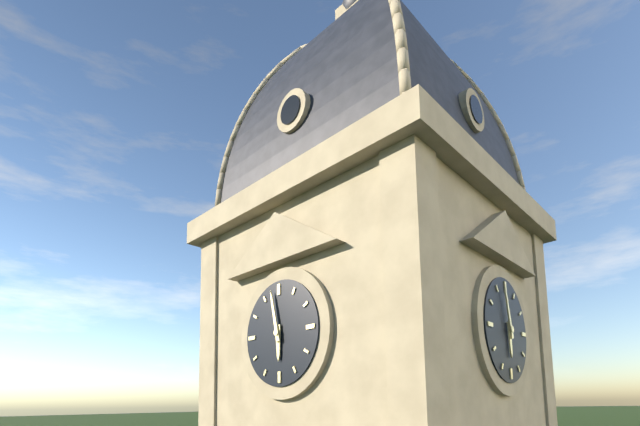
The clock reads 5 h 58 min
